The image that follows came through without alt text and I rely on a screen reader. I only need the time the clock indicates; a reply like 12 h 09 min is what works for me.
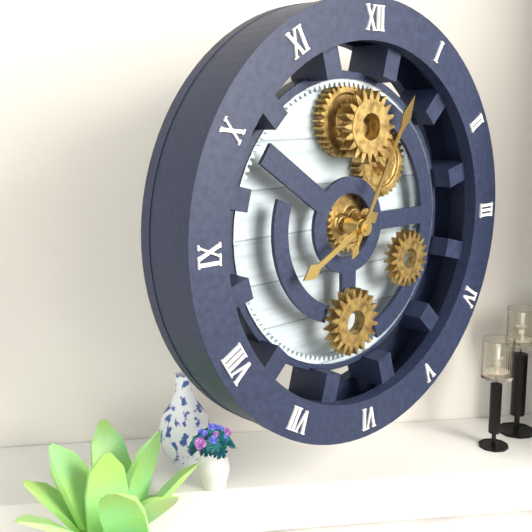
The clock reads 8 h 05 min
